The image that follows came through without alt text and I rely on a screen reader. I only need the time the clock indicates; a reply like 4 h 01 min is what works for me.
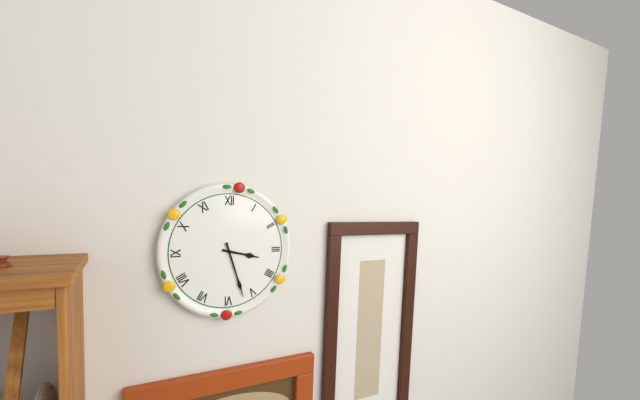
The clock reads 3 h 27 min
